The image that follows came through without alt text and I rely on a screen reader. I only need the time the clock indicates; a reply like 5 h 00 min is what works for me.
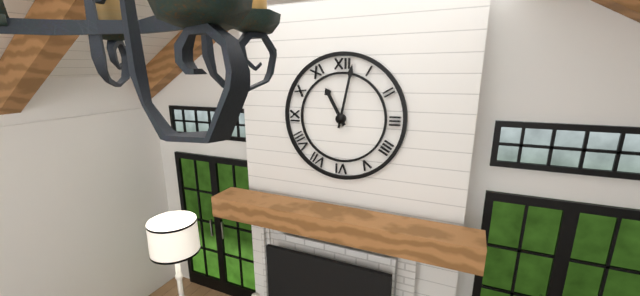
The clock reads 11 h 02 min
